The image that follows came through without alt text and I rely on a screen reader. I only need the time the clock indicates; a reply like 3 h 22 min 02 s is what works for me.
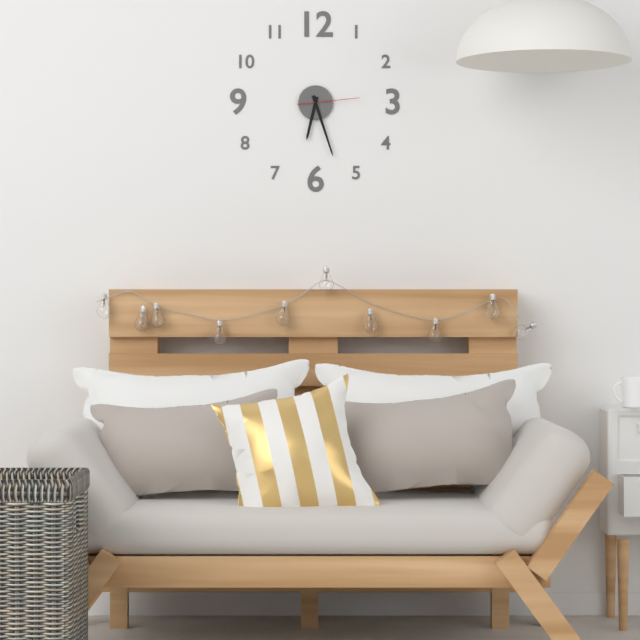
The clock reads 6 h 27 min 14 s
